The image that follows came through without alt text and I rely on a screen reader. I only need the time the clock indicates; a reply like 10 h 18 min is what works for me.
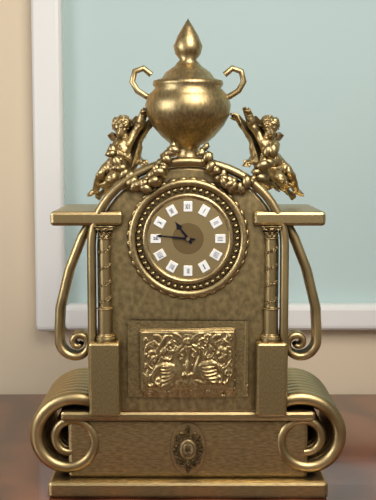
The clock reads 10 h 46 min
